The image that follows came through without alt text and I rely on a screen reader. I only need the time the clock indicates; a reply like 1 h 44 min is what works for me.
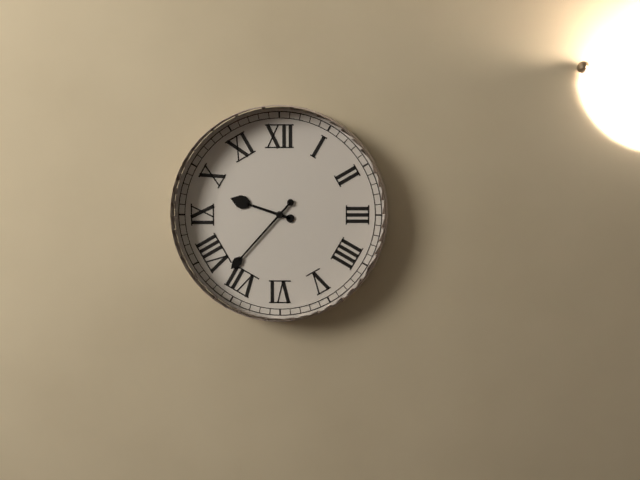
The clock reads 9 h 37 min
